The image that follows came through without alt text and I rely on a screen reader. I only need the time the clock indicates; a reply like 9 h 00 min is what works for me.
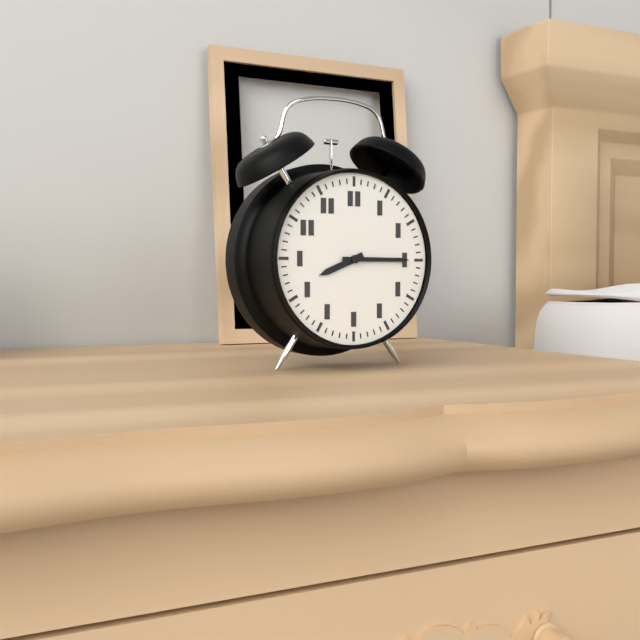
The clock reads 8 h 15 min
